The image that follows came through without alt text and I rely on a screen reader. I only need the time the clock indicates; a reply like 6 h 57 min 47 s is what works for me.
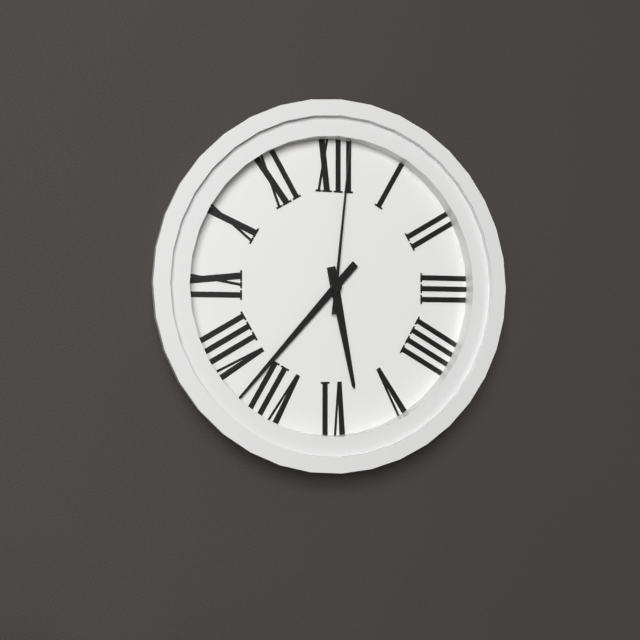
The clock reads 5 h 37 min 01 s
